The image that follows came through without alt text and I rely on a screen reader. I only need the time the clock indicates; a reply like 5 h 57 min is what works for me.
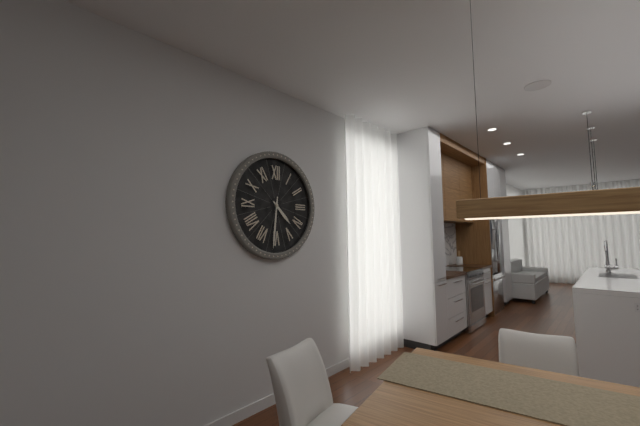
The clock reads 4 h 31 min
